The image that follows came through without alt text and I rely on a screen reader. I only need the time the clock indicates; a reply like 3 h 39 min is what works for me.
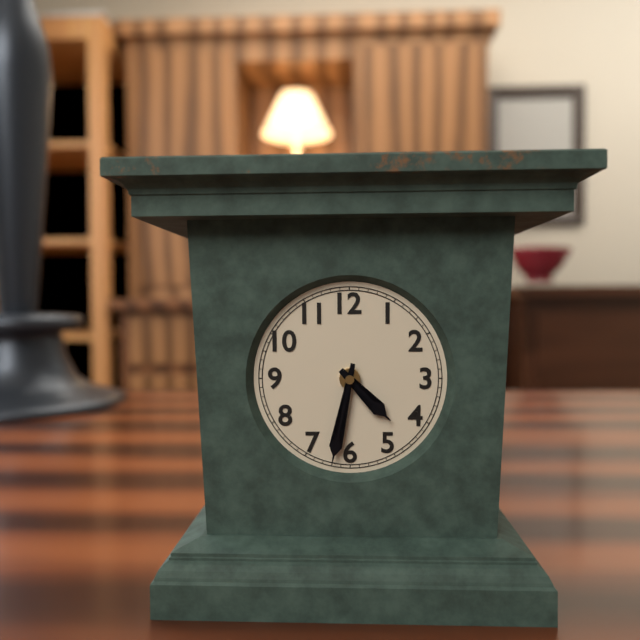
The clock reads 4 h 32 min
